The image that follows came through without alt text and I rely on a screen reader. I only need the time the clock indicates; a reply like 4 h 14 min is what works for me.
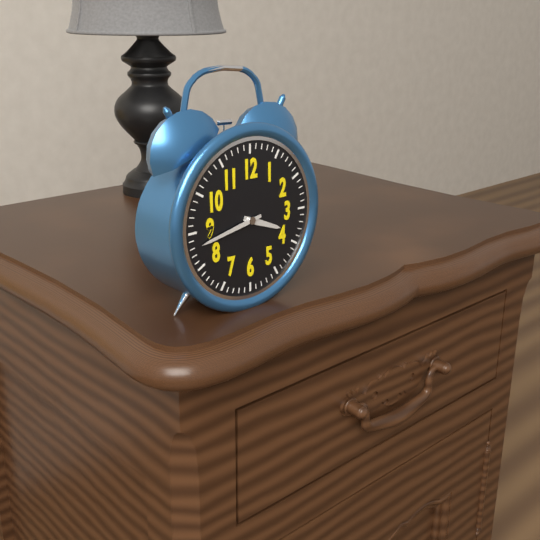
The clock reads 3 h 43 min
